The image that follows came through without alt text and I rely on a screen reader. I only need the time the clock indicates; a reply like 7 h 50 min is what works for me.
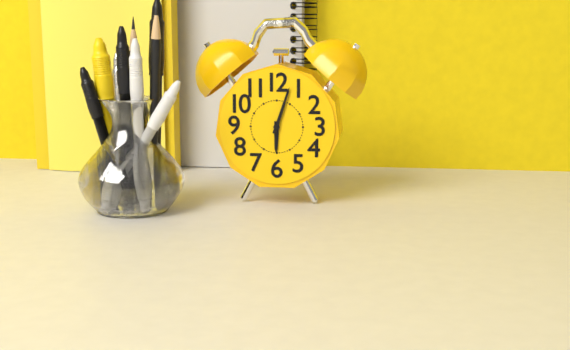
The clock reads 6 h 03 min
